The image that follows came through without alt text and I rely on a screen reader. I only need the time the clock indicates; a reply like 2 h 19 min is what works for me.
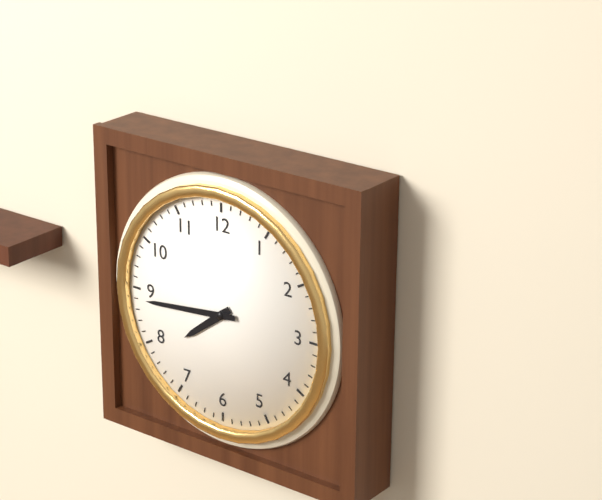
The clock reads 7 h 44 min
